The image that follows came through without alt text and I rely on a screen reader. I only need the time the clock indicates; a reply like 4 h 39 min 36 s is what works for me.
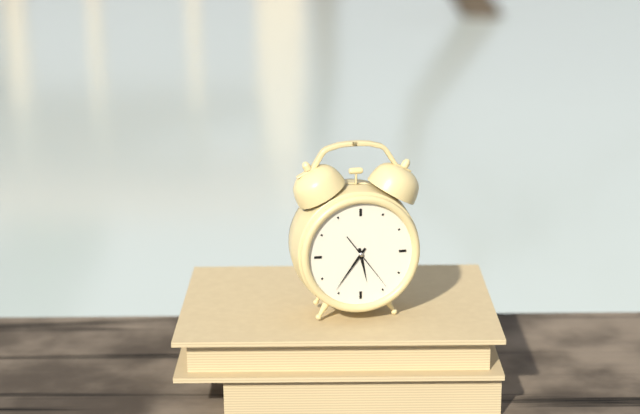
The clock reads 5 h 36 min 24 s
